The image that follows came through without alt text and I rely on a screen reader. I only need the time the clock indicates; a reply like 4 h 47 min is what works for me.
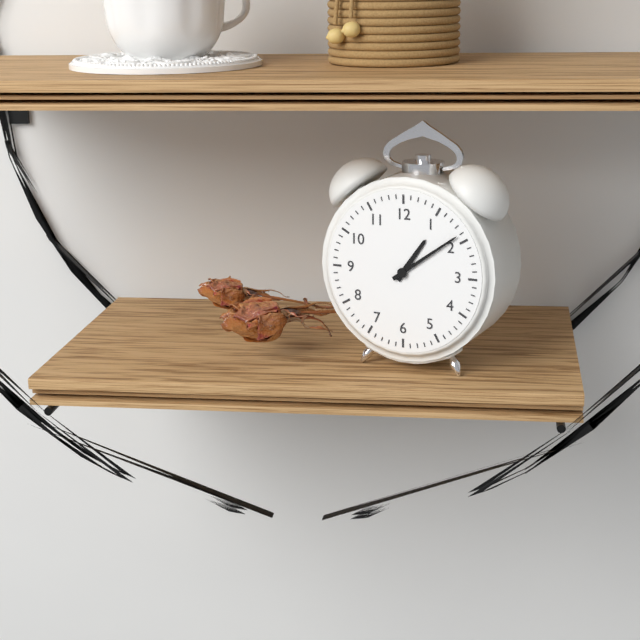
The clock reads 1 h 09 min
